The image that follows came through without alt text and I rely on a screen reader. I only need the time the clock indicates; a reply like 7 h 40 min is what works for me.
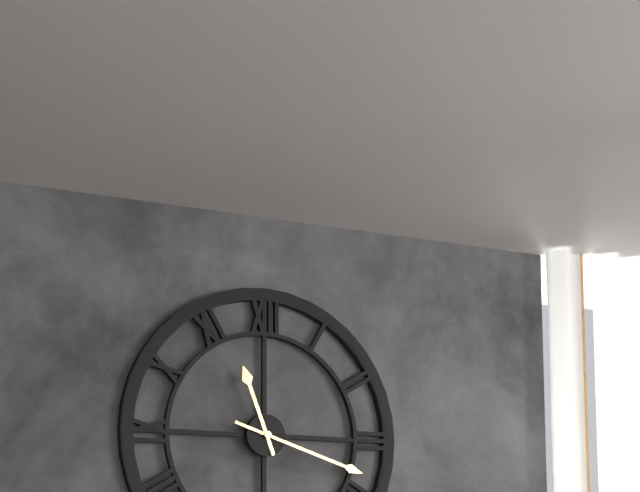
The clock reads 11 h 18 min
